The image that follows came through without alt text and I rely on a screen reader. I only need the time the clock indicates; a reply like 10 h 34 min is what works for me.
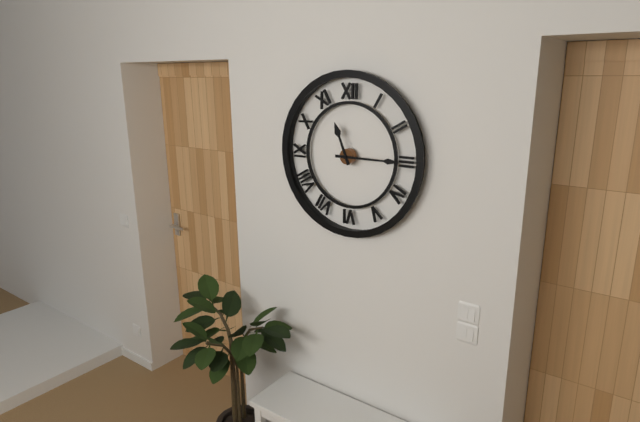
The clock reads 11 h 15 min
